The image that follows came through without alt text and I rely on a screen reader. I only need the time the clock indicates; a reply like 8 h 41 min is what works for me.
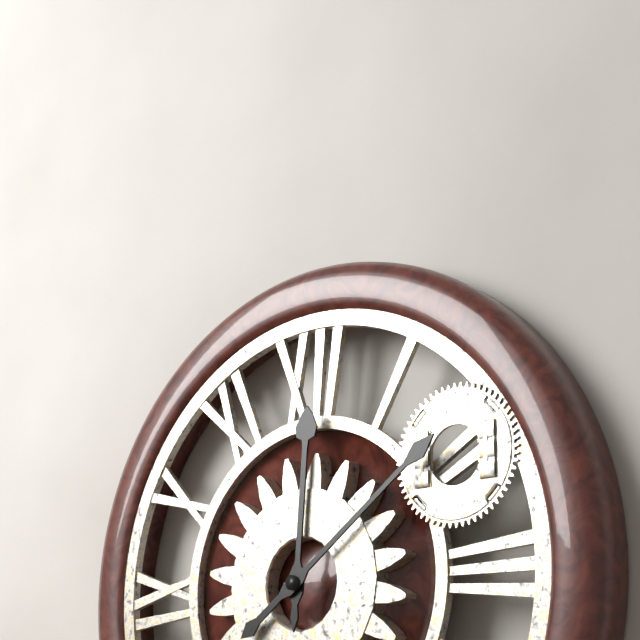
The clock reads 12 h 09 min
